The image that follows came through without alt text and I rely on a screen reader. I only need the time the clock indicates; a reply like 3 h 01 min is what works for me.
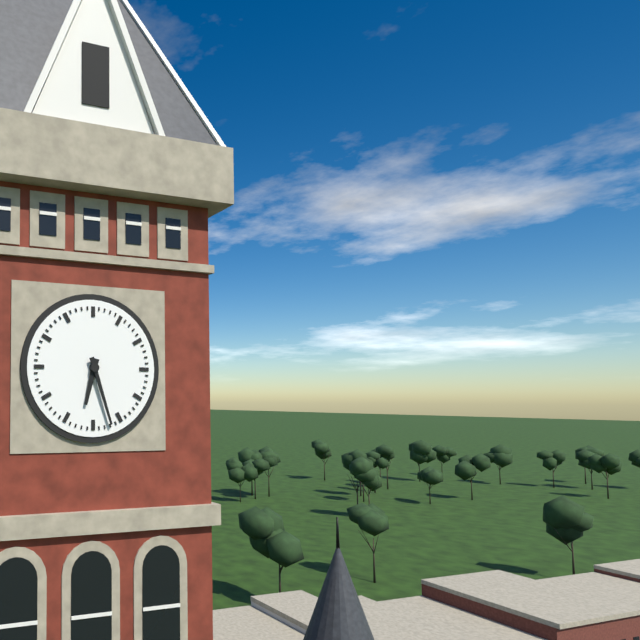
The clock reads 6 h 27 min
